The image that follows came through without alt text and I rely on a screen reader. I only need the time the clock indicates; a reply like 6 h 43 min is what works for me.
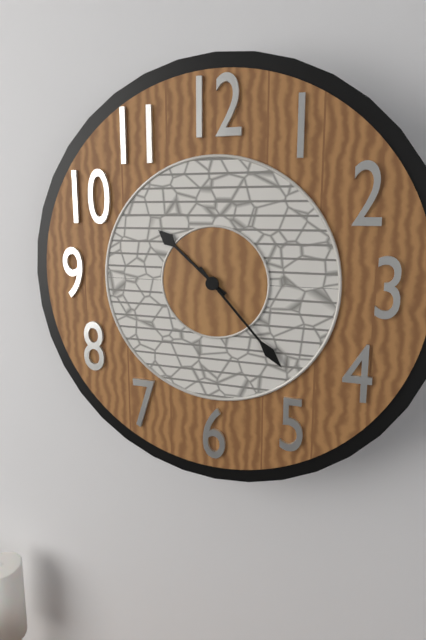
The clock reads 10 h 23 min
